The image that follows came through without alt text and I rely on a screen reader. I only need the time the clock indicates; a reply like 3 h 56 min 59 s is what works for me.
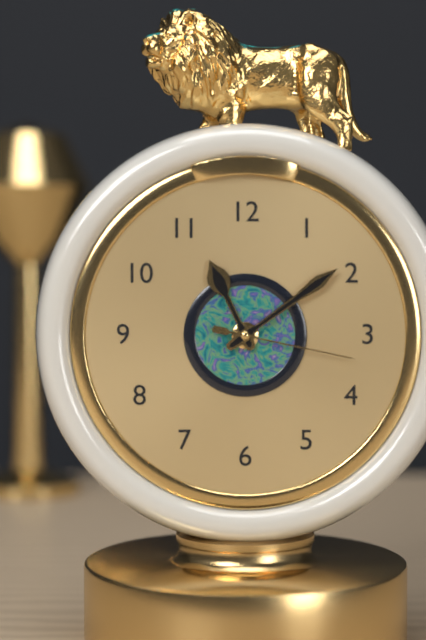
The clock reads 11 h 09 min 17 s
